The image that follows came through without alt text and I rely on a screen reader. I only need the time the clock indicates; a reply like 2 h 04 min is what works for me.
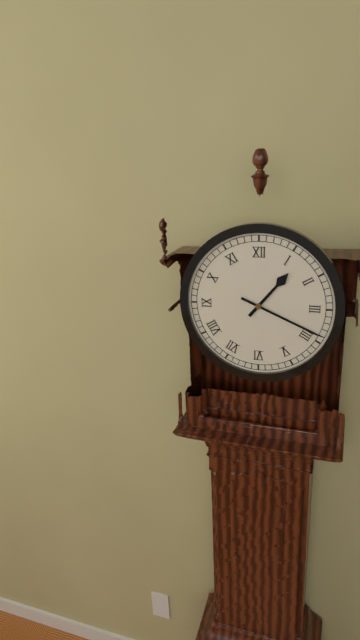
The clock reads 1 h 19 min
